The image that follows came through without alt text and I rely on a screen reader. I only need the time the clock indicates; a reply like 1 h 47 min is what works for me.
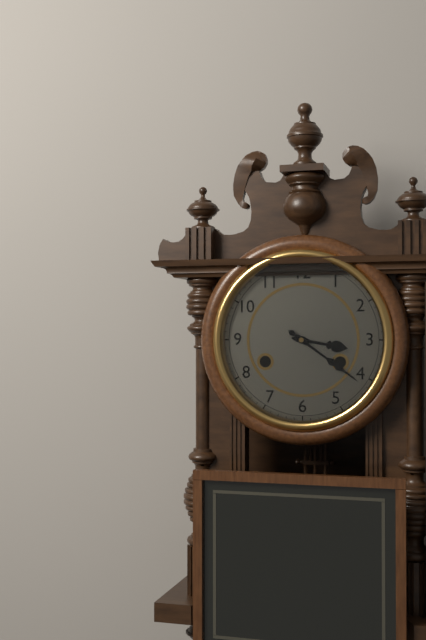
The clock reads 3 h 21 min
